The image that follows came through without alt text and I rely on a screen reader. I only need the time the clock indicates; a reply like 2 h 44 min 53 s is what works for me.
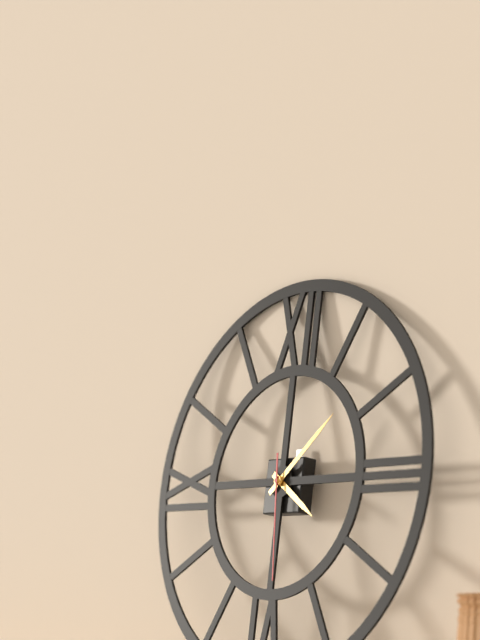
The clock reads 4 h 08 min 29 s
